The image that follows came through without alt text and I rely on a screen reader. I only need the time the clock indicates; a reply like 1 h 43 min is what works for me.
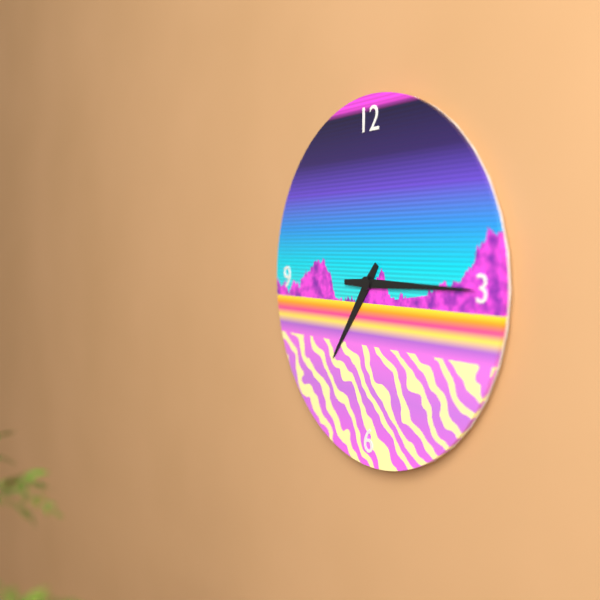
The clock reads 7 h 15 min
